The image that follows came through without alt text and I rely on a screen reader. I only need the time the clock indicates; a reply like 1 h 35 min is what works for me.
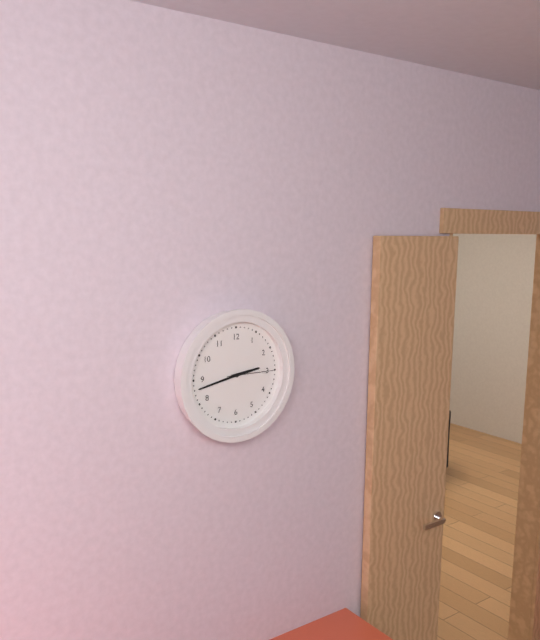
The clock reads 2 h 43 min
